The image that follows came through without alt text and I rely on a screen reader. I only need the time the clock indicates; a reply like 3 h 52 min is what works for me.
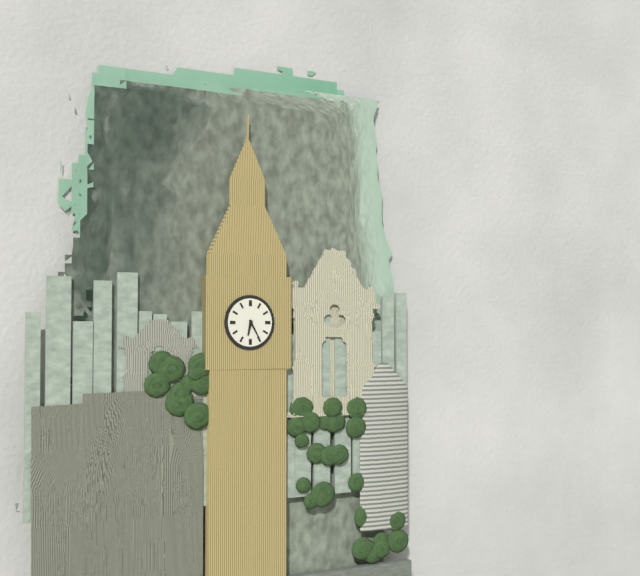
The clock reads 6 h 25 min
